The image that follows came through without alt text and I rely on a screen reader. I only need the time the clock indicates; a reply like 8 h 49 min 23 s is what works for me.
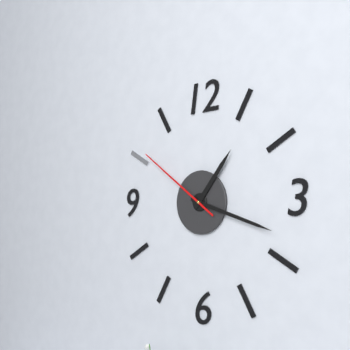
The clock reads 1 h 18 min 51 s
